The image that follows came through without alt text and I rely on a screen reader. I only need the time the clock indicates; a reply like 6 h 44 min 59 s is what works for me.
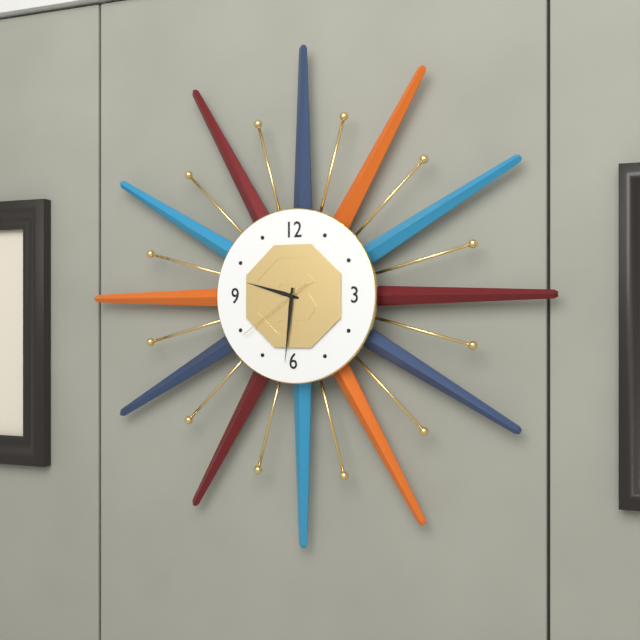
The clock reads 9 h 31 min 39 s
